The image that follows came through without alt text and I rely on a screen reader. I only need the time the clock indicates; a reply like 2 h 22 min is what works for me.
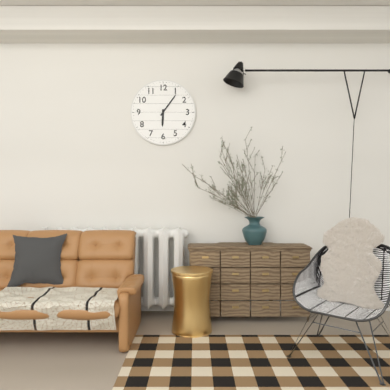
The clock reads 6 h 06 min
